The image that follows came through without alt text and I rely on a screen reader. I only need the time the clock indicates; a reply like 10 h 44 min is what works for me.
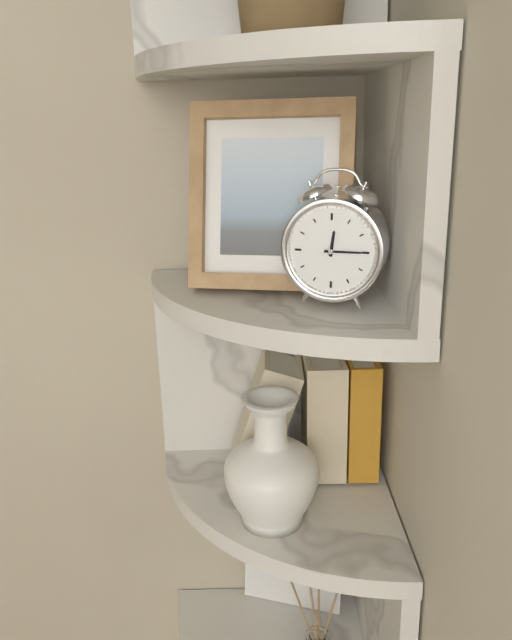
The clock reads 12 h 15 min
